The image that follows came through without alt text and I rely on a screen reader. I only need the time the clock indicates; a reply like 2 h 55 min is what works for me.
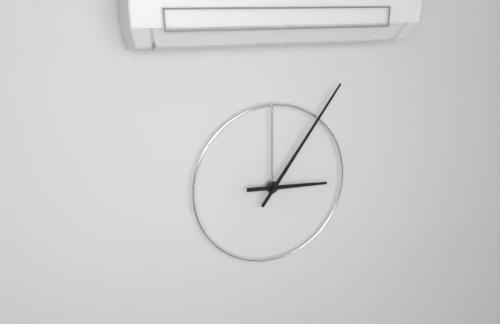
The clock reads 3 h 06 min
